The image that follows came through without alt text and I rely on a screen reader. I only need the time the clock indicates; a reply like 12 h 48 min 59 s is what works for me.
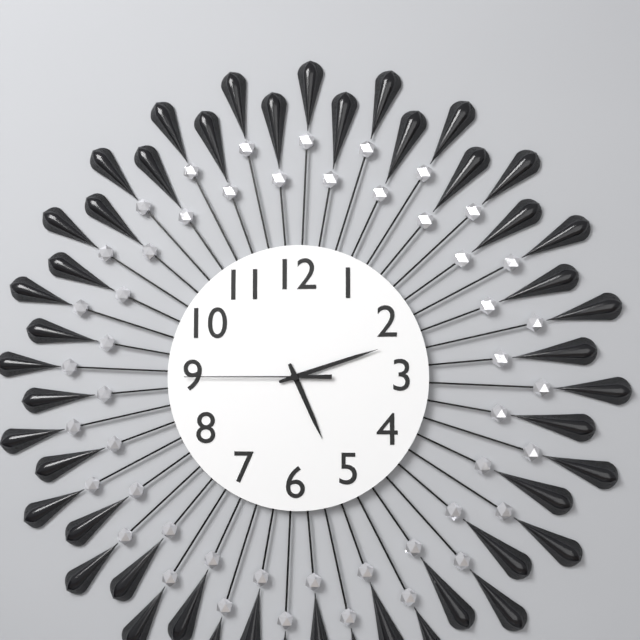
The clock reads 5 h 12 min 45 s
